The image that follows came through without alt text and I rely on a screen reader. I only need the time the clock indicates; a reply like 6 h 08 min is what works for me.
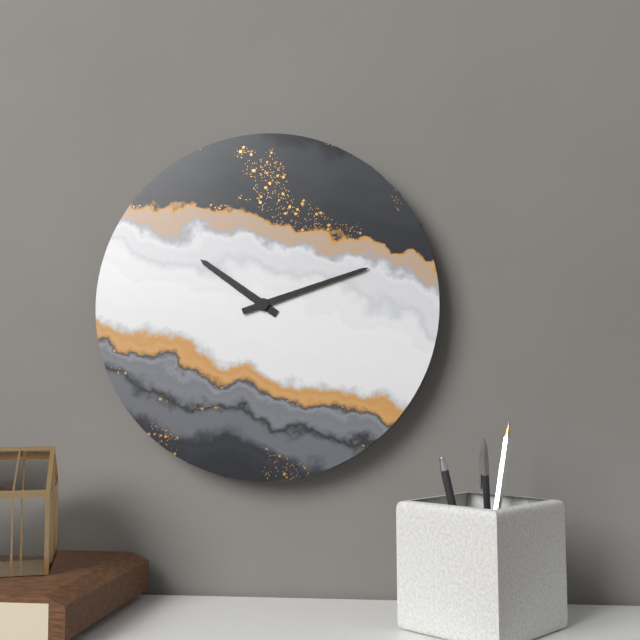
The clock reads 10 h 12 min
